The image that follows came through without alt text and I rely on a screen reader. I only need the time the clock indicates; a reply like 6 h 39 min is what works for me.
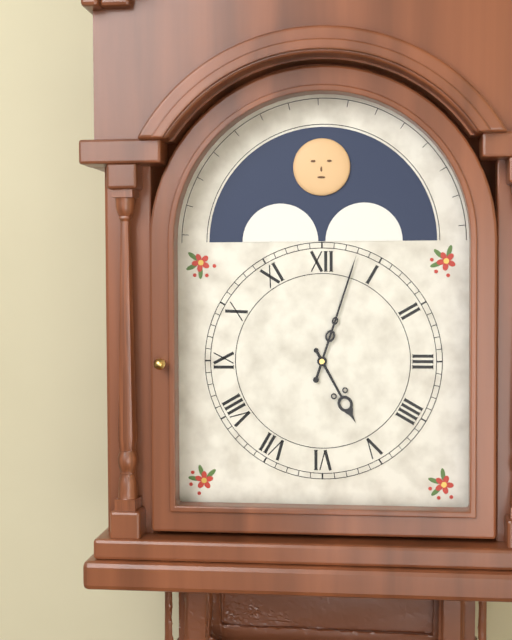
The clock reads 5 h 03 min
